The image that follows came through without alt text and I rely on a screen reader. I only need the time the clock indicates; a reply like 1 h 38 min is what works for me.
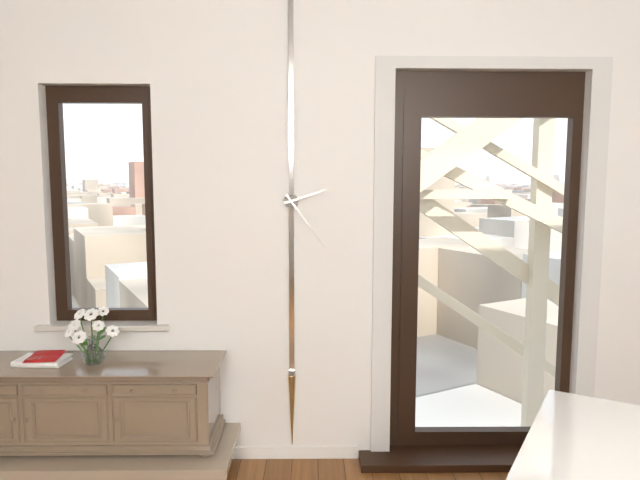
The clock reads 2 h 24 min
